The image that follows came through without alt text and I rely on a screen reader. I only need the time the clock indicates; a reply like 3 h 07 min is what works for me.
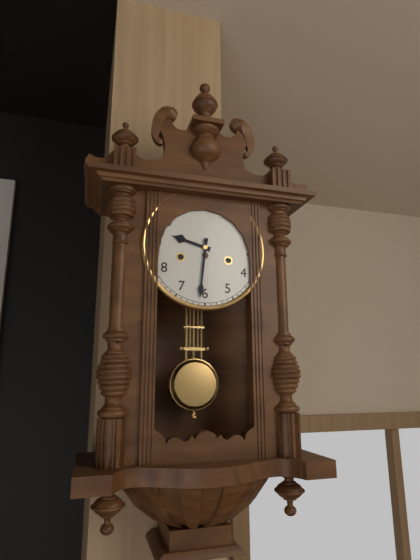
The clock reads 9 h 31 min
